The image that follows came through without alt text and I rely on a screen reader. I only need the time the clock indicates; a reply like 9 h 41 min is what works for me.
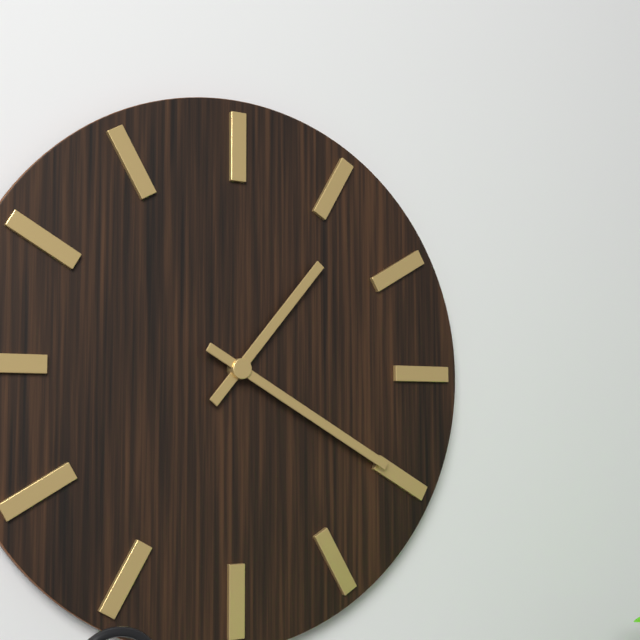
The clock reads 1 h 20 min
